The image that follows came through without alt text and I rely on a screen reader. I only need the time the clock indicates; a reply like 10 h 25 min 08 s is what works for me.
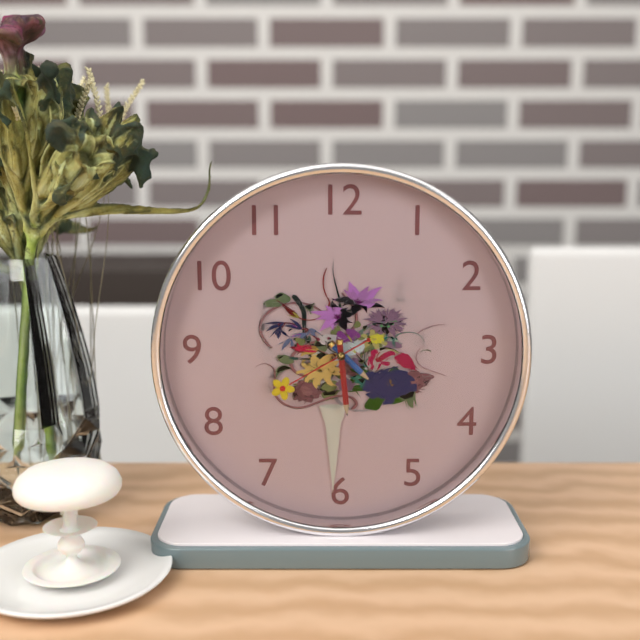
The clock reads 4 h 29 min 40 s
